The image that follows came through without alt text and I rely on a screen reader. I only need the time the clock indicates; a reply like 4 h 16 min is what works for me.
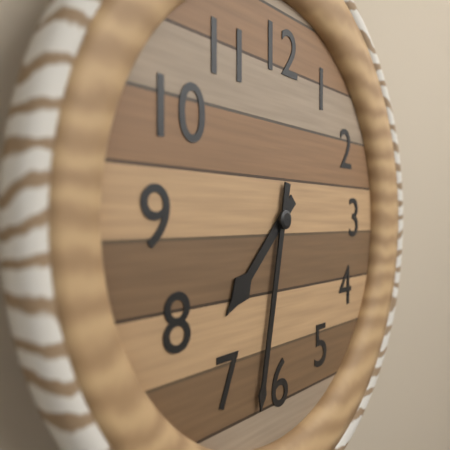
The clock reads 7 h 32 min
